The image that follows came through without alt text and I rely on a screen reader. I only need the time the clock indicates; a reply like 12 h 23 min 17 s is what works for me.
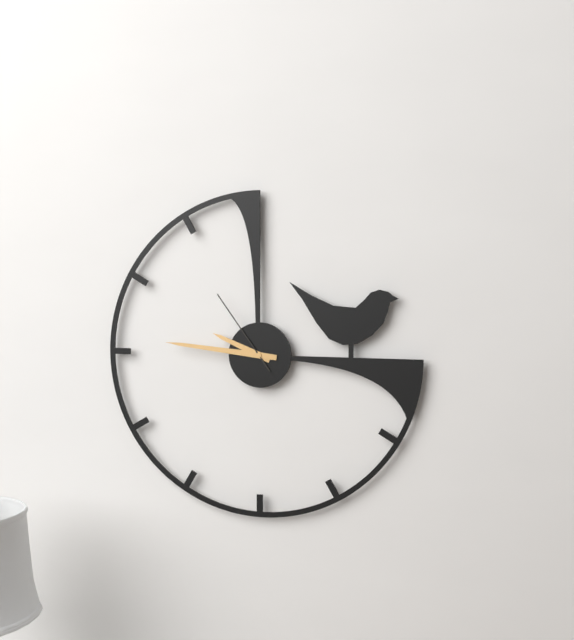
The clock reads 9 h 46 min 54 s
